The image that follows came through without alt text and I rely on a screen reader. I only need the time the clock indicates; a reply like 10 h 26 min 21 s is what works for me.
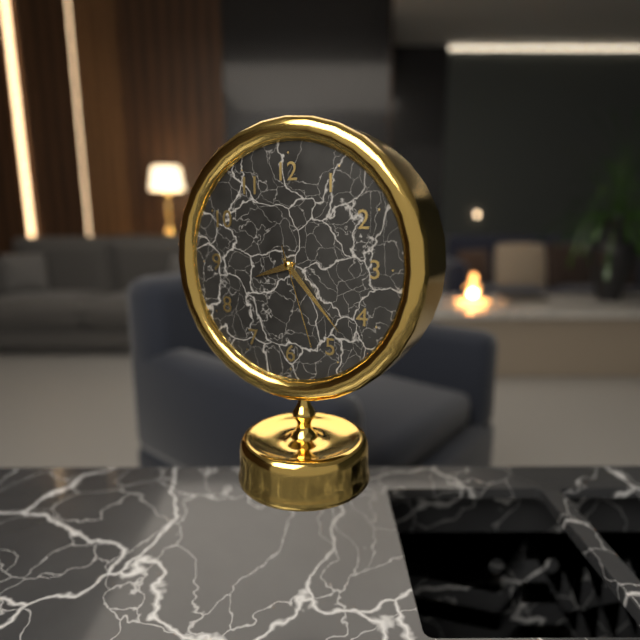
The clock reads 8 h 23 min 27 s
